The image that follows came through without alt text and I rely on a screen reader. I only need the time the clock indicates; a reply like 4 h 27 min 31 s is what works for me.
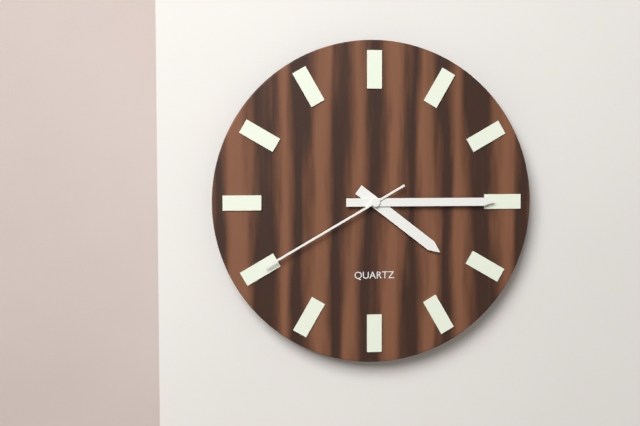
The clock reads 4 h 15 min 40 s
